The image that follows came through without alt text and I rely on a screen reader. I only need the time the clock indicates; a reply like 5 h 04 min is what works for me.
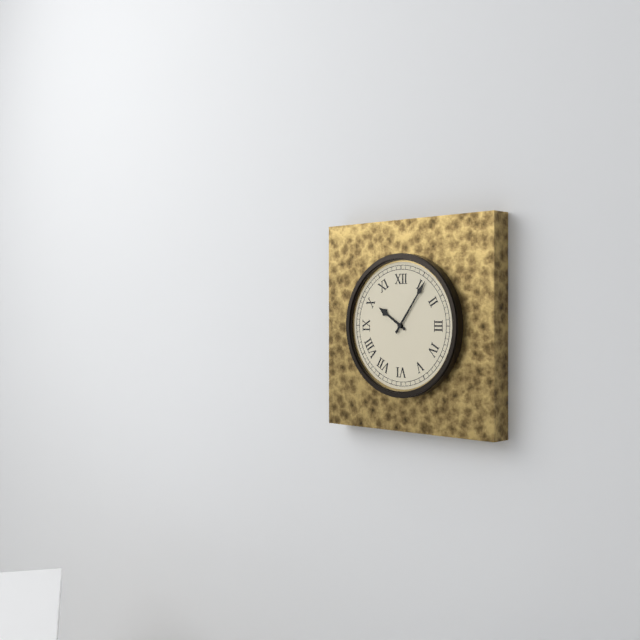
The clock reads 10 h 06 min
